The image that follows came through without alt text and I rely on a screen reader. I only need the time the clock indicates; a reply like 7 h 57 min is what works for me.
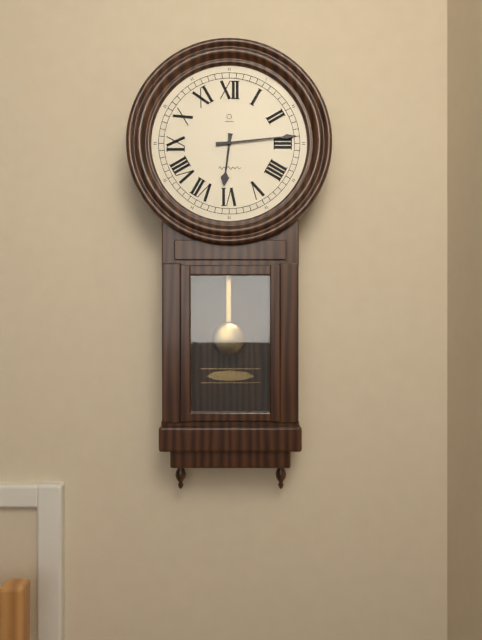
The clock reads 6 h 14 min
